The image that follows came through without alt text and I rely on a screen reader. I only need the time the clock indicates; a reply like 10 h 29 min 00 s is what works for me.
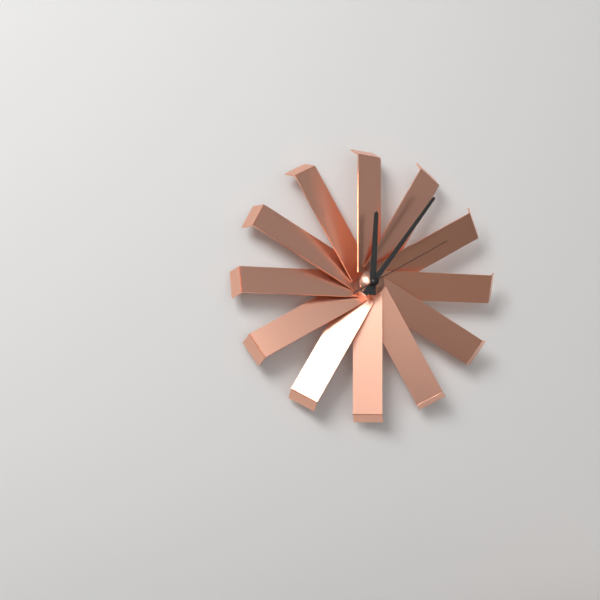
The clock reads 12 h 06 min 10 s
